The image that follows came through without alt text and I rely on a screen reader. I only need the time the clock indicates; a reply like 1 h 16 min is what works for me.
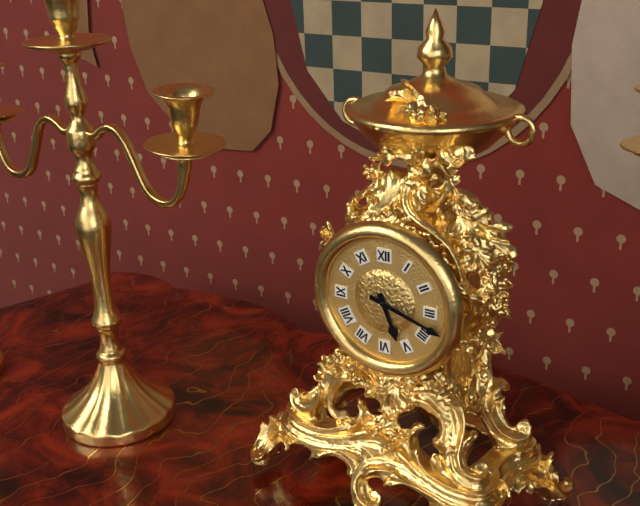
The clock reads 5 h 18 min
